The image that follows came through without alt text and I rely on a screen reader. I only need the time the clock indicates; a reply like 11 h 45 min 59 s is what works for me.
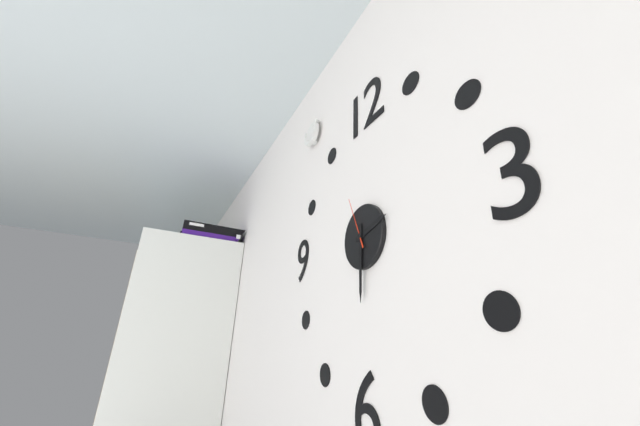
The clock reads 2 h 30 min 56 s
